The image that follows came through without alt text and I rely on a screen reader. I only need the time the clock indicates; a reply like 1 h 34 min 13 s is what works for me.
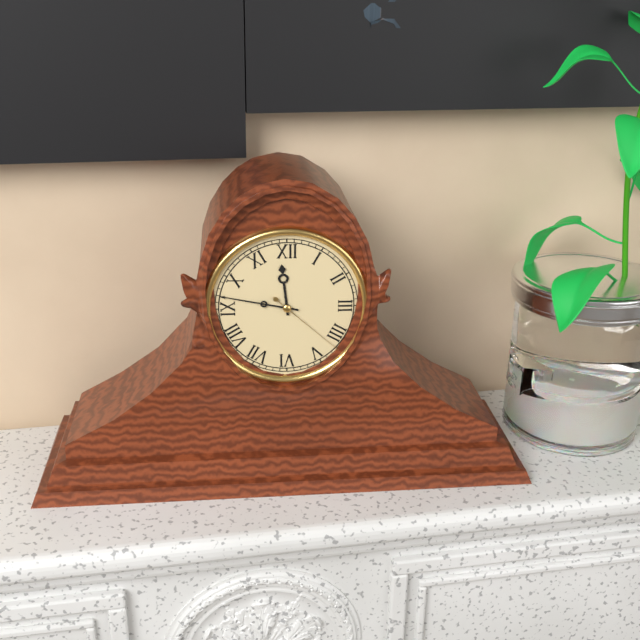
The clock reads 11 h 47 min 22 s
